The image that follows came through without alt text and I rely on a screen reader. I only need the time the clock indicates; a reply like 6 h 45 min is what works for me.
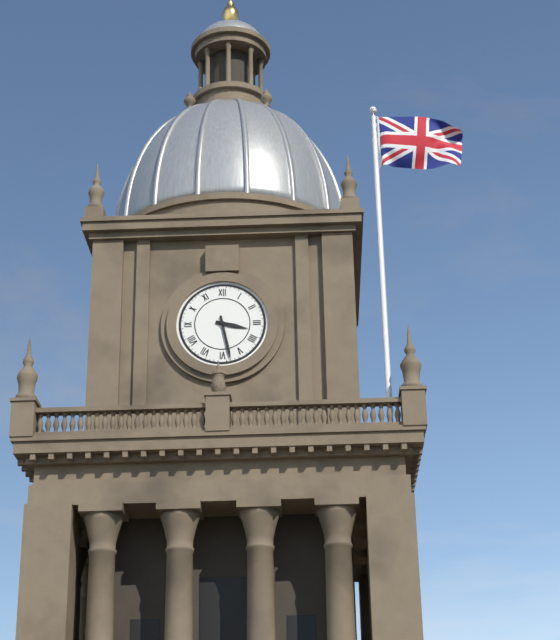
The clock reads 3 h 28 min
